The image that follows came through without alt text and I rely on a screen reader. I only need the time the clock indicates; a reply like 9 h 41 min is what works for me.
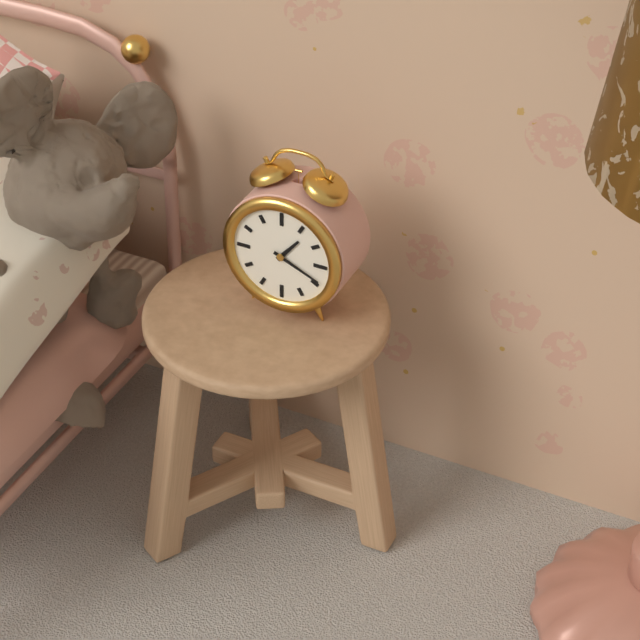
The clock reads 1 h 19 min
